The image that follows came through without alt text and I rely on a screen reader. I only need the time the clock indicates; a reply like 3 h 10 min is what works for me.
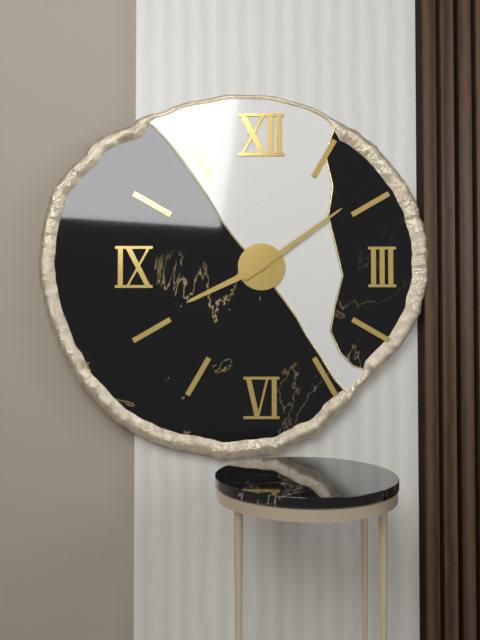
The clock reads 8 h 09 min
